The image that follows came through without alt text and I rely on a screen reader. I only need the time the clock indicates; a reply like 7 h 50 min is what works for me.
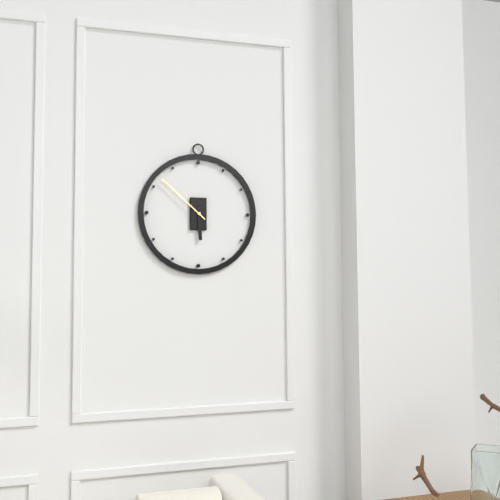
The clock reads 5 h 52 min
